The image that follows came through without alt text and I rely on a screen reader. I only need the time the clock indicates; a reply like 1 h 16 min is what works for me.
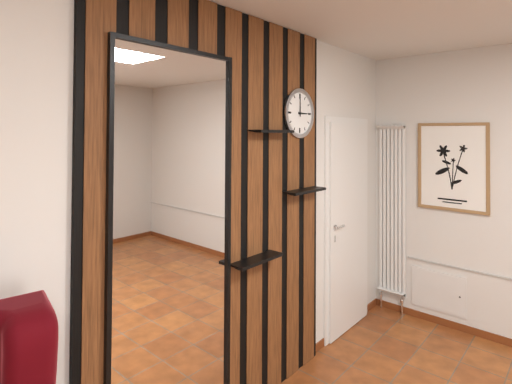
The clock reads 3 h 00 min
